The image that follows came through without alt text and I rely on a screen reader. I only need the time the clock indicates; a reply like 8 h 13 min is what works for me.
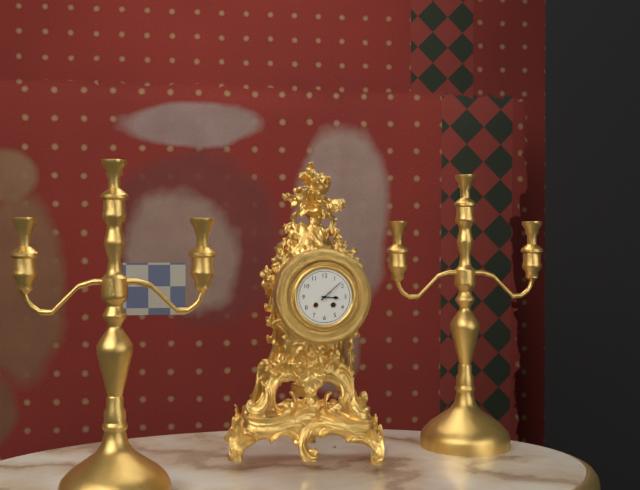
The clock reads 3 h 08 min
